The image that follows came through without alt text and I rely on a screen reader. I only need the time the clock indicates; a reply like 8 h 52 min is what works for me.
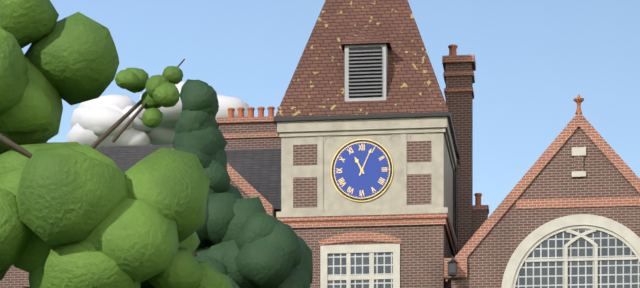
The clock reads 11 h 04 min
